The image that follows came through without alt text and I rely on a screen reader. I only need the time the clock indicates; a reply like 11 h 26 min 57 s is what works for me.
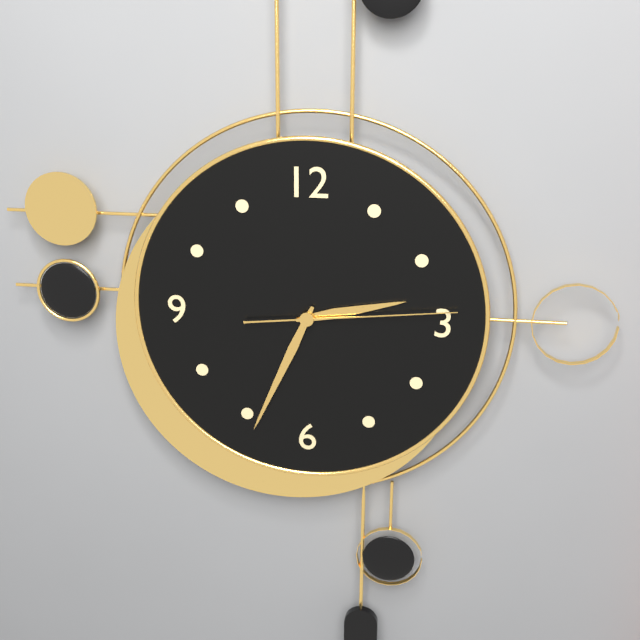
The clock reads 2 h 34 min 14 s
